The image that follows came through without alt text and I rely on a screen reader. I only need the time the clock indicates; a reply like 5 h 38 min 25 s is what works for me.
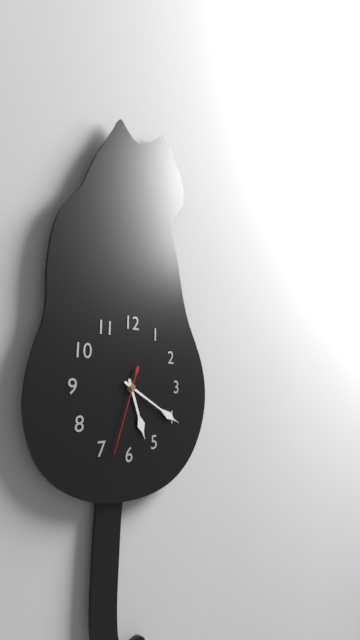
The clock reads 5 h 20 min 33 s
